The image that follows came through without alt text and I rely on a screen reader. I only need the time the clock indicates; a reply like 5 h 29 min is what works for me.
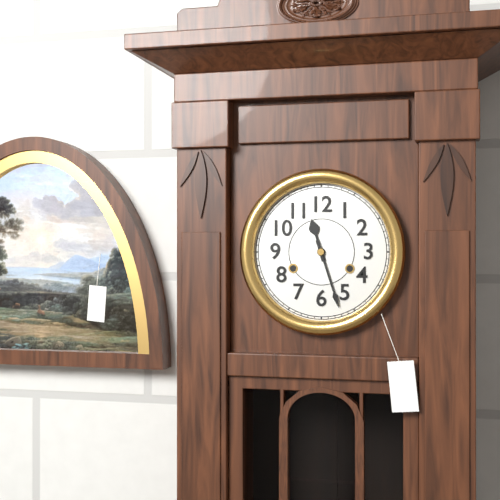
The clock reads 11 h 27 min
